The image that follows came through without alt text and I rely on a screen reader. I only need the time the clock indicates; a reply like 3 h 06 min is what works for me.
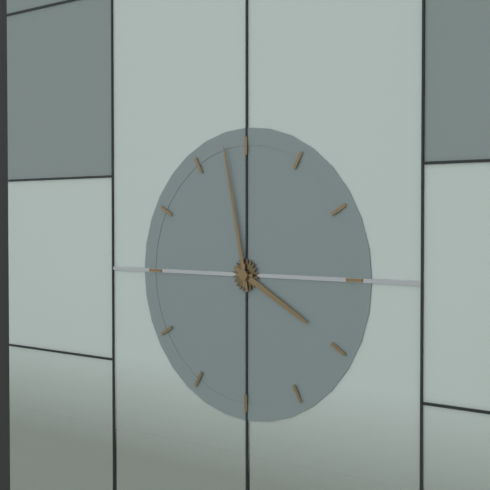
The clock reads 3 h 58 min
